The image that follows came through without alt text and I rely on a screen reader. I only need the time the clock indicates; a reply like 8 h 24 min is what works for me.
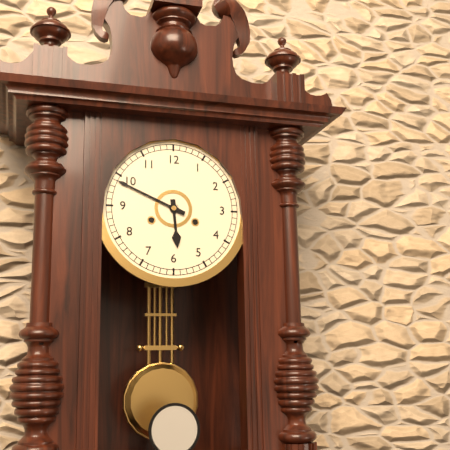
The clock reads 5 h 49 min
